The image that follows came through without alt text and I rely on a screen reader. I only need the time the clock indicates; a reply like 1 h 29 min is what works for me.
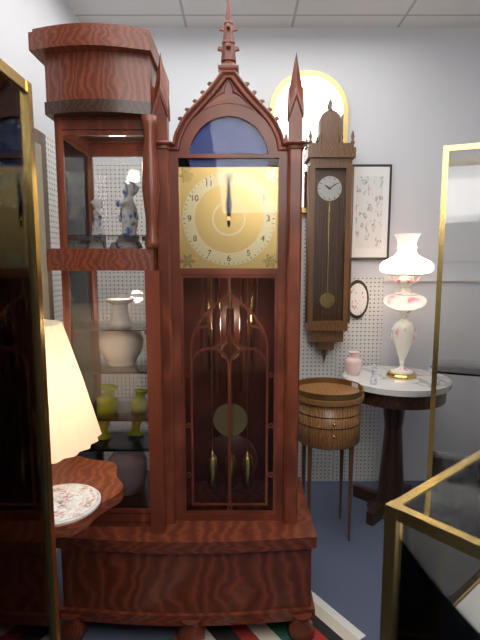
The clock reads 12 h 00 min
